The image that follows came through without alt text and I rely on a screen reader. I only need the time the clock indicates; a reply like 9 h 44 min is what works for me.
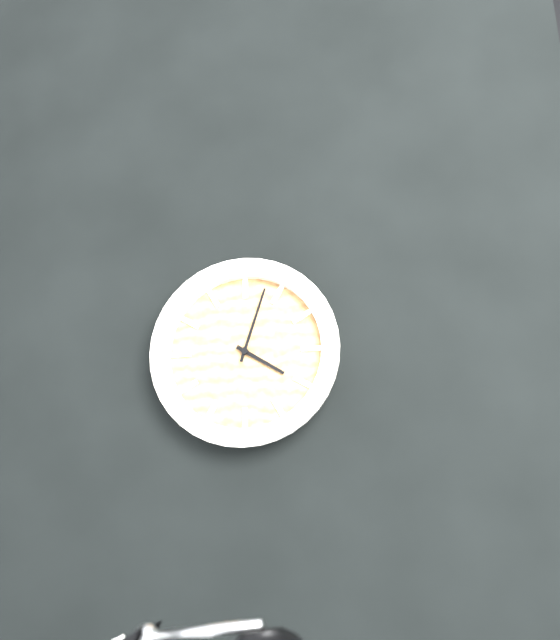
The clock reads 4 h 03 min
